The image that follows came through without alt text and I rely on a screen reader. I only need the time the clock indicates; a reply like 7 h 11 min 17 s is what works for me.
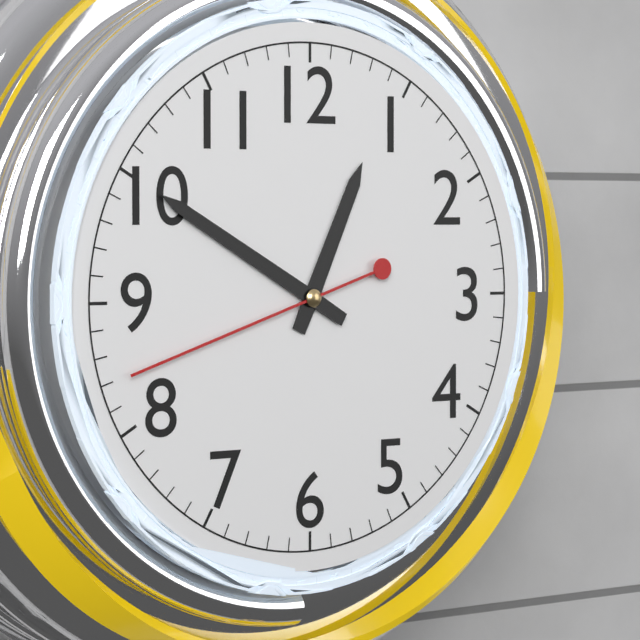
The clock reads 12 h 50 min 42 s
